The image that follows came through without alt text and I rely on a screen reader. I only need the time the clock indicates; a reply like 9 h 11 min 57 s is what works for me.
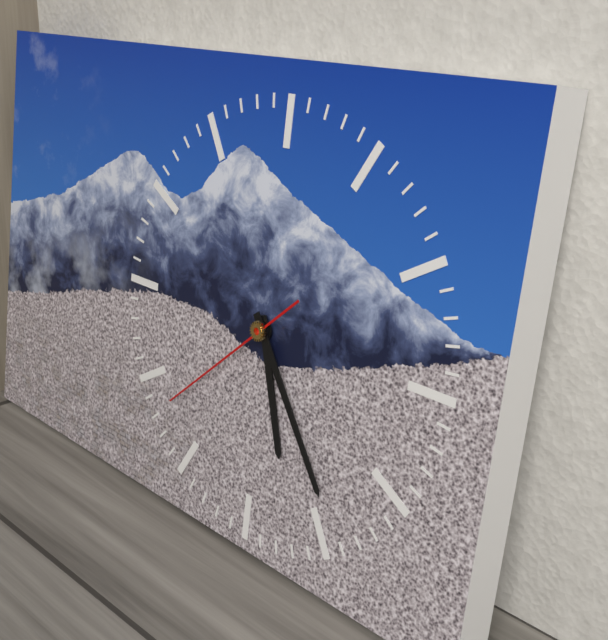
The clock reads 5 h 24 min 38 s
